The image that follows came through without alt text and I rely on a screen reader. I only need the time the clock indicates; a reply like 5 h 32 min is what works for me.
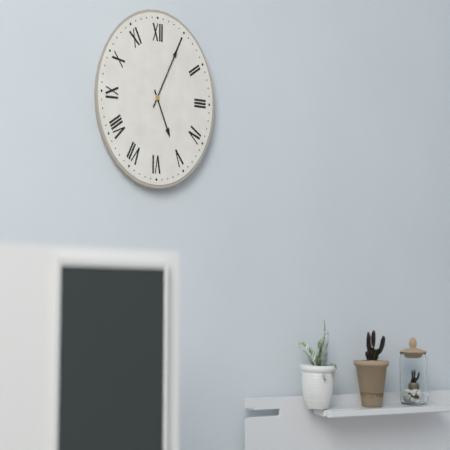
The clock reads 5 h 05 min
